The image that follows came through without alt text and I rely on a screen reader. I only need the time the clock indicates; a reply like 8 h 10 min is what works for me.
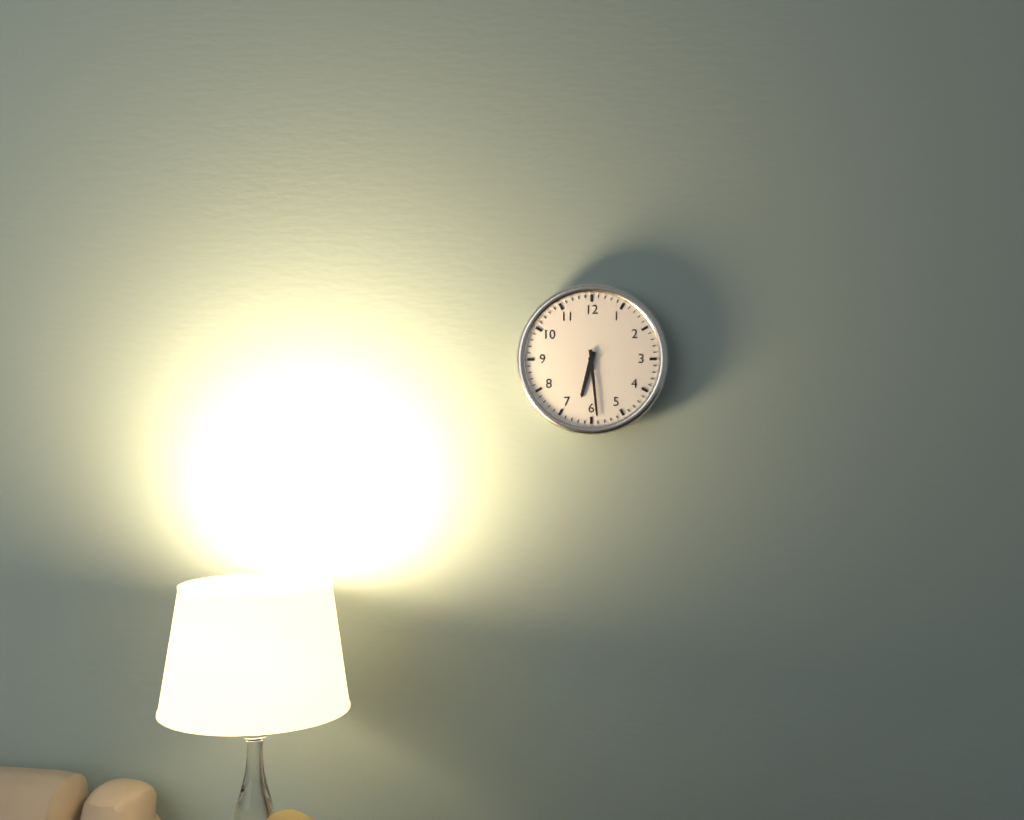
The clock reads 6 h 29 min
